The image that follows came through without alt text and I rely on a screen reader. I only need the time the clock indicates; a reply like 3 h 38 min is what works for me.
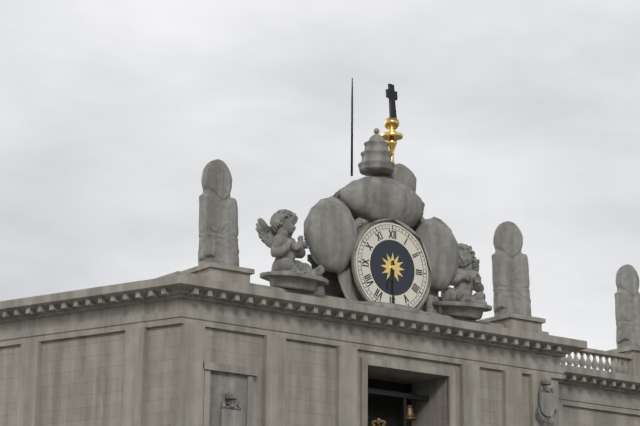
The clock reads 6 h 30 min
